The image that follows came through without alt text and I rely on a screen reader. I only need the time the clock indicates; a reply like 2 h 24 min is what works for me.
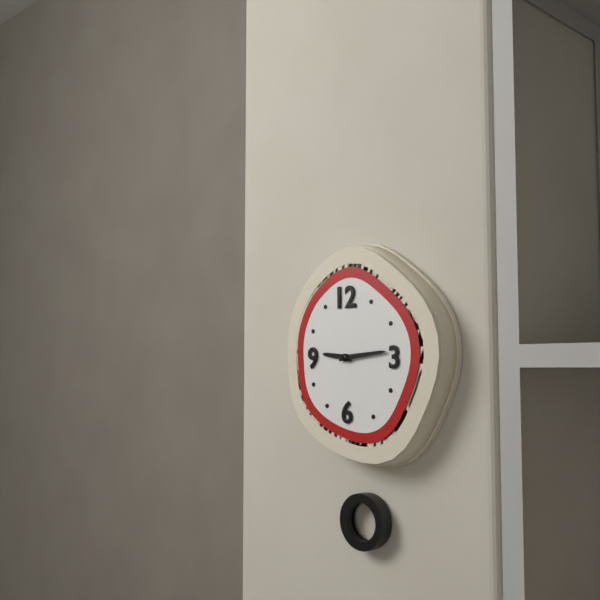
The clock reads 9 h 14 min
